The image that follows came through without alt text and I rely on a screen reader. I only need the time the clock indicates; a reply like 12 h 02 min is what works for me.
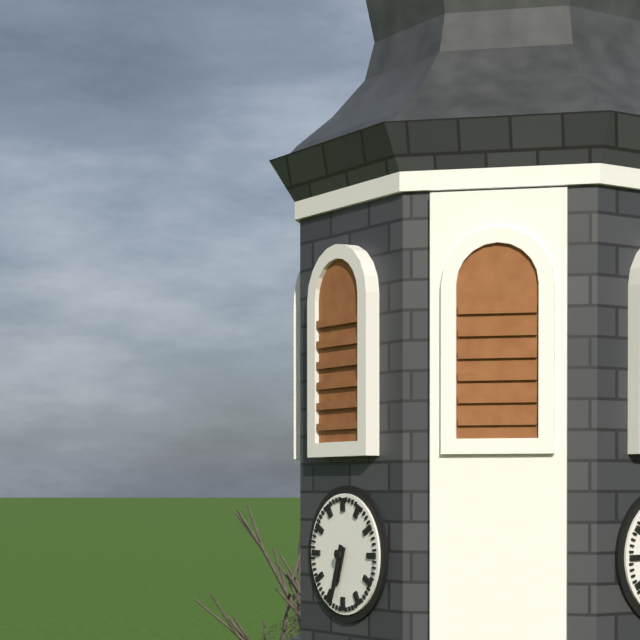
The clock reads 6 h 33 min
